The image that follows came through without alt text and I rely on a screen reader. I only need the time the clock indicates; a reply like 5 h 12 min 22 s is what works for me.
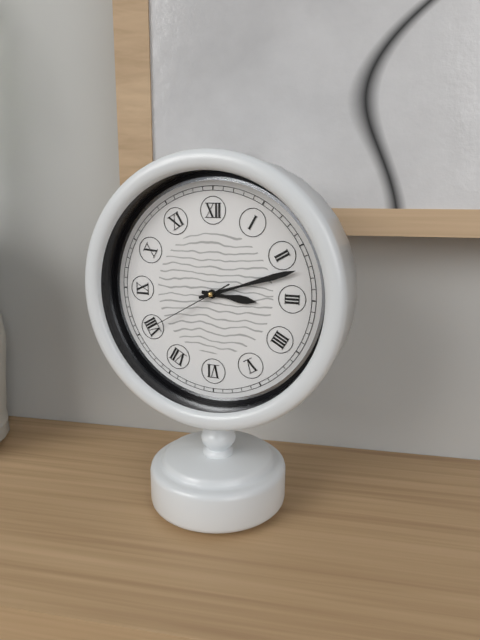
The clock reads 3 h 12 min 40 s
